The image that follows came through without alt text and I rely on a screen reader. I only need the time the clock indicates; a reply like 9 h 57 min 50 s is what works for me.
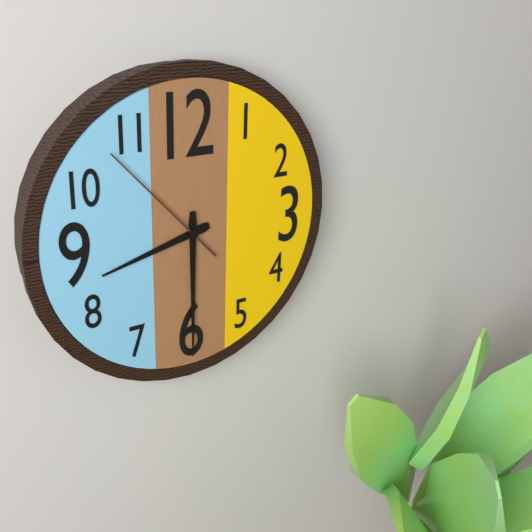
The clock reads 8 h 30 min 53 s
